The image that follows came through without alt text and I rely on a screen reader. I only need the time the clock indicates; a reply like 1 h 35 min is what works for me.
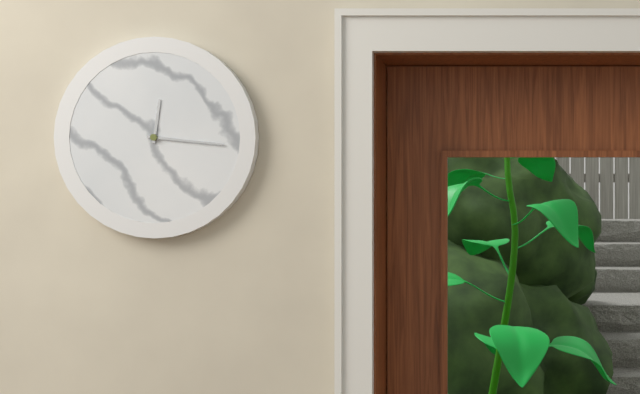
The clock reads 12 h 16 min
